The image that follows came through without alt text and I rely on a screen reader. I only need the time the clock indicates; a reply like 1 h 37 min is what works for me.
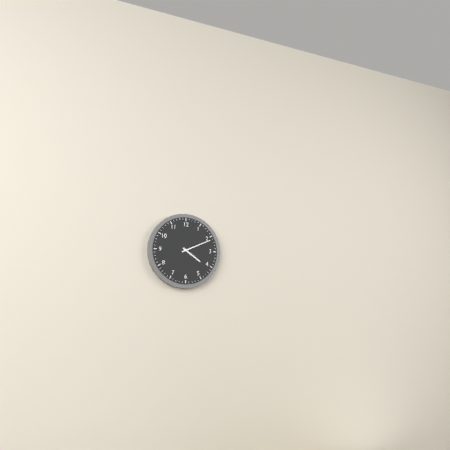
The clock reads 4 h 11 min
